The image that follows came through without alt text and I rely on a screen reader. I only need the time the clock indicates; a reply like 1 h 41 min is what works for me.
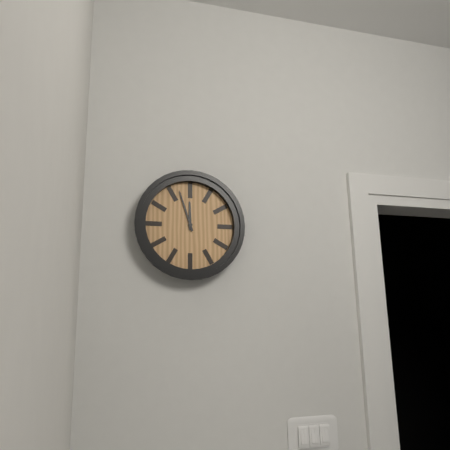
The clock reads 11 h 57 min
